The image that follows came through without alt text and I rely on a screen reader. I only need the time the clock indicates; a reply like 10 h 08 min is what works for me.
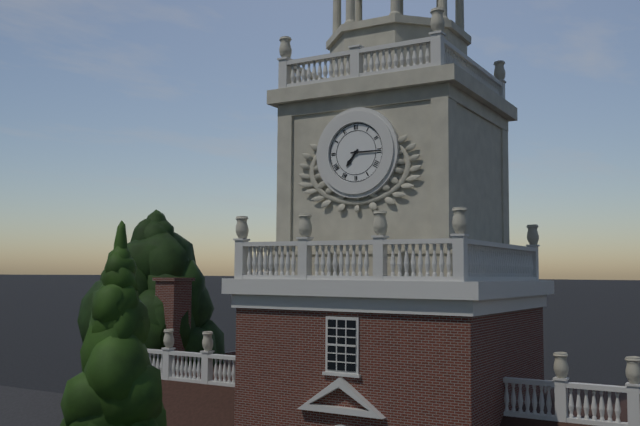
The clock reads 7 h 15 min
